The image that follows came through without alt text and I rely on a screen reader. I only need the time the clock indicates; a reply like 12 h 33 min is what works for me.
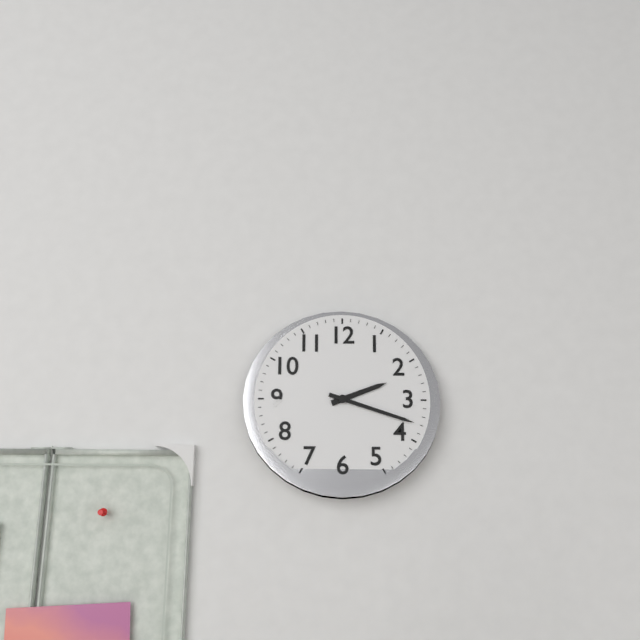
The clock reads 2 h 18 min
